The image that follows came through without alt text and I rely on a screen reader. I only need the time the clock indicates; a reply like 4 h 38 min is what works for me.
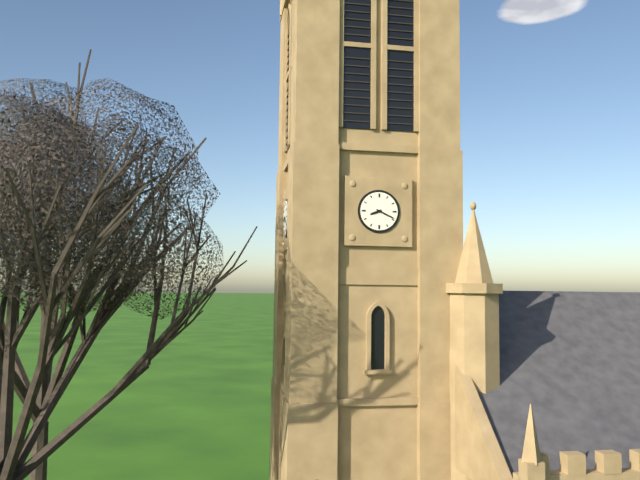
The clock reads 8 h 19 min
